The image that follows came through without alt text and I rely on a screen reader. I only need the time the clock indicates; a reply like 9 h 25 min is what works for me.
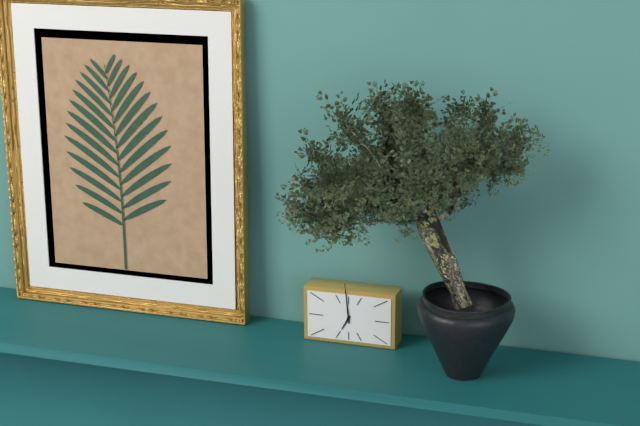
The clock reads 6 h 59 min
